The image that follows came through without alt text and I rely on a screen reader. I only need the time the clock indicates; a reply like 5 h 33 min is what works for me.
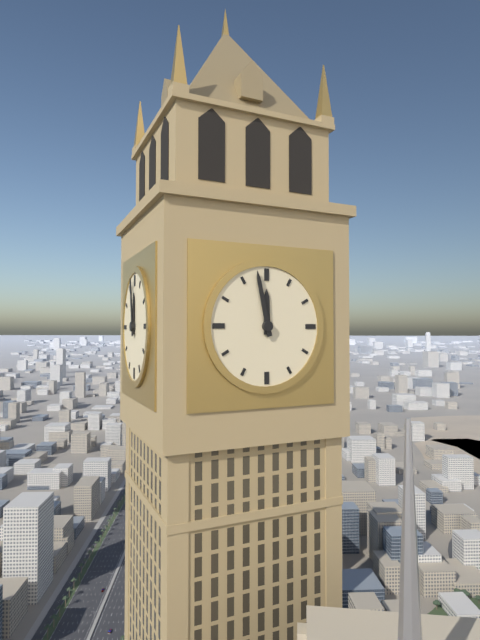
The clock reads 11 h 58 min
